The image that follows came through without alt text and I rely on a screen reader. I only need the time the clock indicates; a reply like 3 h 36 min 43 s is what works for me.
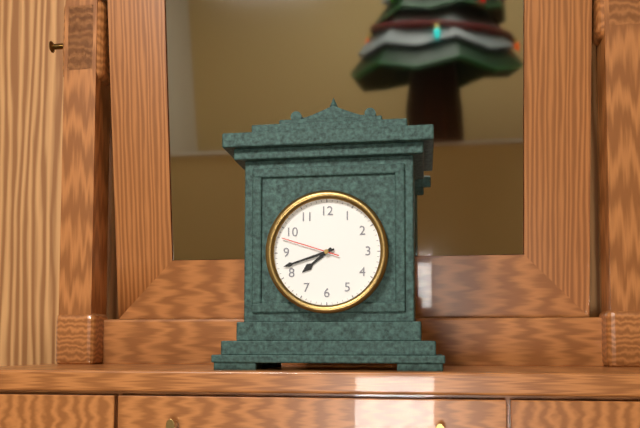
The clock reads 7 h 42 min 48 s
